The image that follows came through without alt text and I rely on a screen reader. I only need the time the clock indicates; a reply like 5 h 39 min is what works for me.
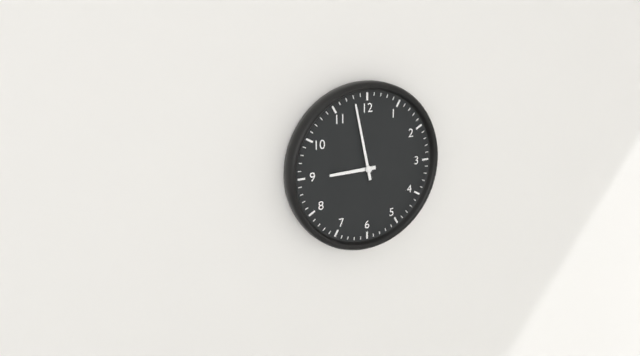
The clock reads 8 h 58 min
